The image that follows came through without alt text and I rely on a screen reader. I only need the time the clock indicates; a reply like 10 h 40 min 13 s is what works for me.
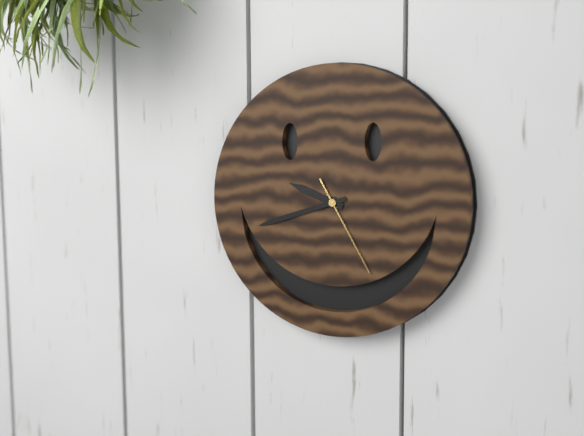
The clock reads 9 h 42 min 25 s
